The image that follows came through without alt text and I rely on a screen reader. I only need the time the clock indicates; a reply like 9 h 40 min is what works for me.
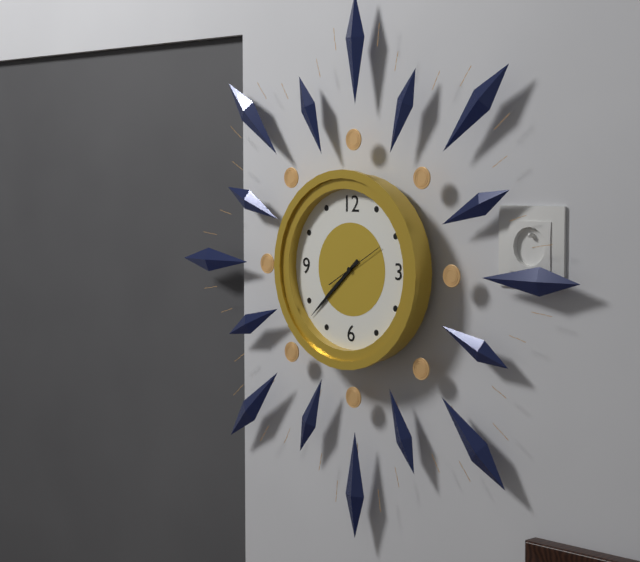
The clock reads 7 h 38 min
